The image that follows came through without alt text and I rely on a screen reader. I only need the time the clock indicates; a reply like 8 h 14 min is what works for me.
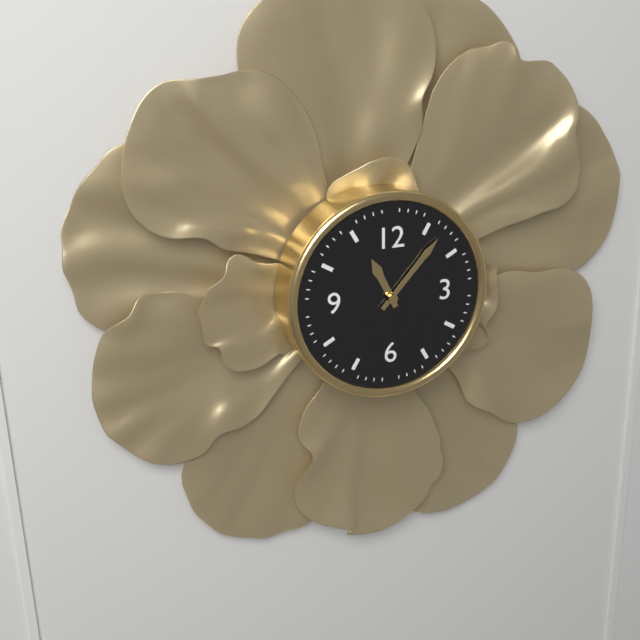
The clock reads 11 h 07 min
